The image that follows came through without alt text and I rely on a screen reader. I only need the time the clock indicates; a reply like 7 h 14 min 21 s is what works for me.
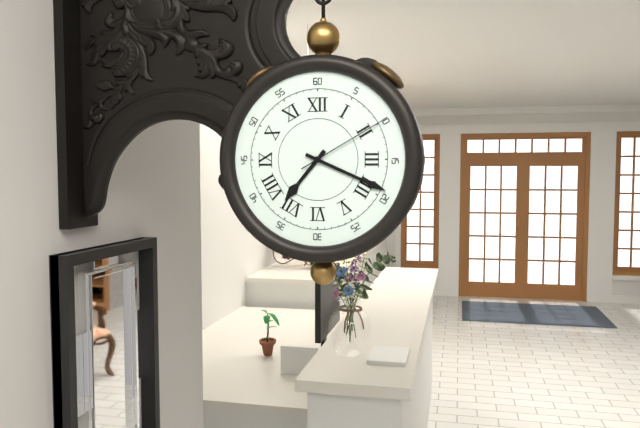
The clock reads 7 h 19 min 10 s
